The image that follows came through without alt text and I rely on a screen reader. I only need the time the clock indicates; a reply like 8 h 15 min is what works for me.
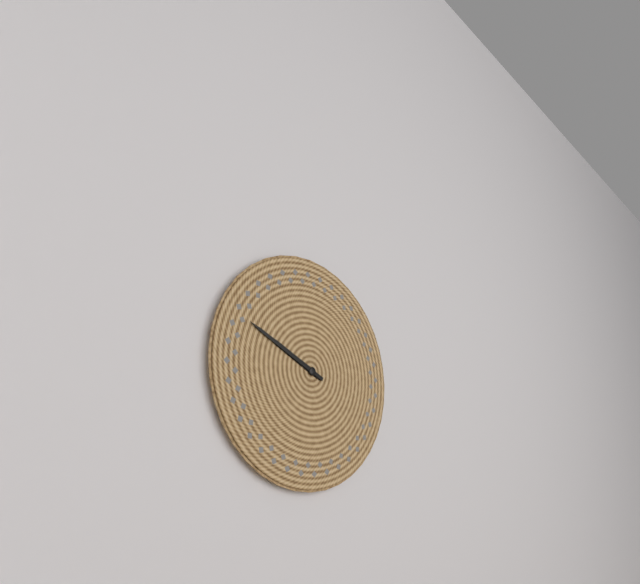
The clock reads 9 h 49 min
